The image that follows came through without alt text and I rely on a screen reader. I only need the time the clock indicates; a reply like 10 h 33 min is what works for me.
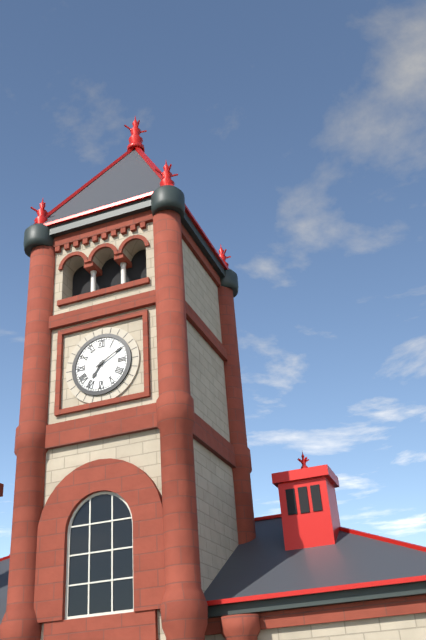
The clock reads 7 h 10 min
